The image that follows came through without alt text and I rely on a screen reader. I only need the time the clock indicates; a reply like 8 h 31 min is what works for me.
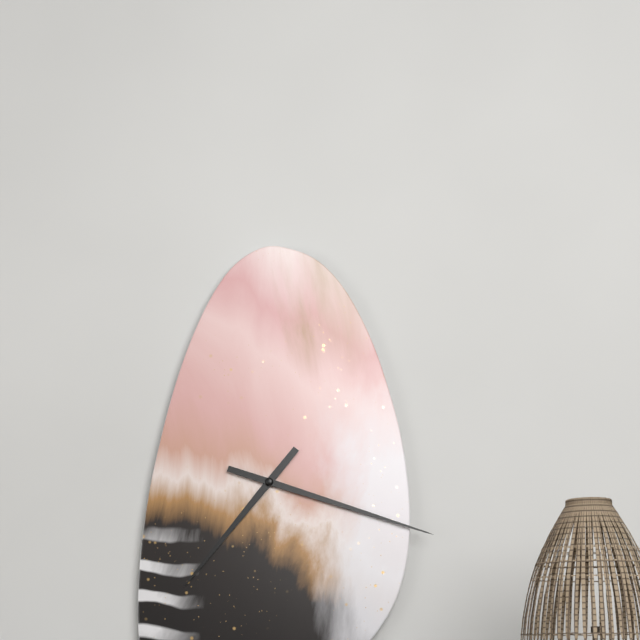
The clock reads 7 h 18 min
